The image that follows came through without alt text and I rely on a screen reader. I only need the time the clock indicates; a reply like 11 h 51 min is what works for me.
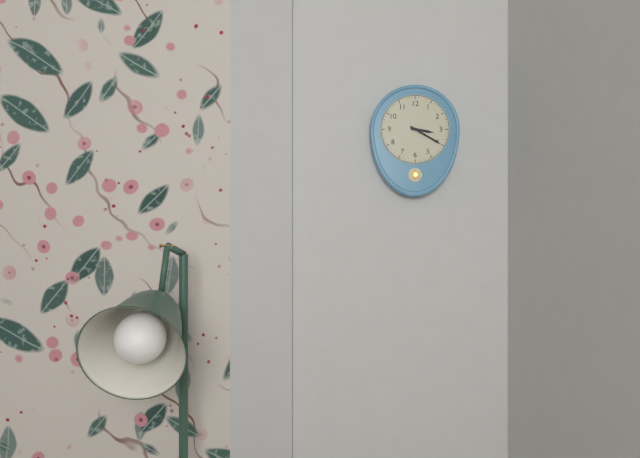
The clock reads 3 h 20 min
